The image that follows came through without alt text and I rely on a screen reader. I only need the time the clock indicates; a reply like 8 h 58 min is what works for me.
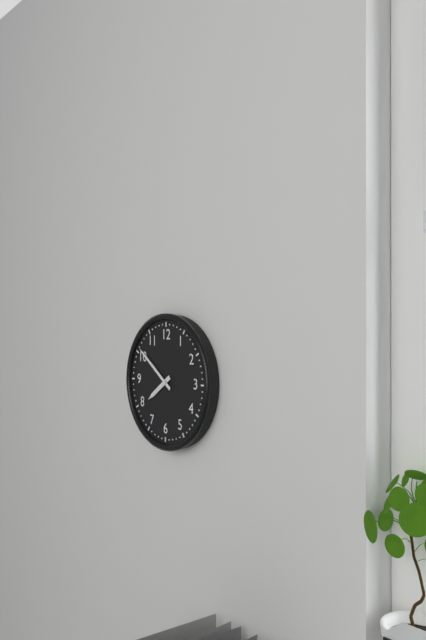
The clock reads 7 h 51 min
